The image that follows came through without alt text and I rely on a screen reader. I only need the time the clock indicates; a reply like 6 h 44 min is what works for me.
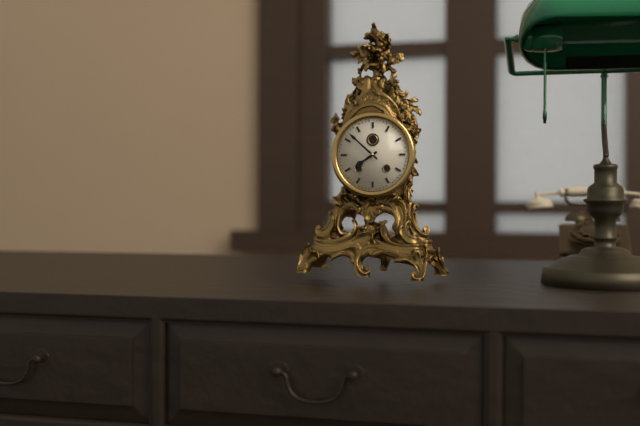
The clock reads 7 h 52 min
